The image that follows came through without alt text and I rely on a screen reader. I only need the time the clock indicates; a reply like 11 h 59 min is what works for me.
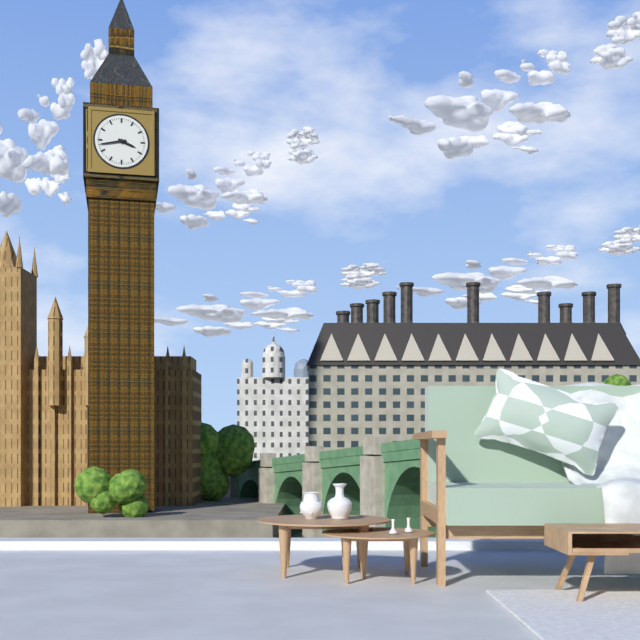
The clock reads 3 h 43 min
